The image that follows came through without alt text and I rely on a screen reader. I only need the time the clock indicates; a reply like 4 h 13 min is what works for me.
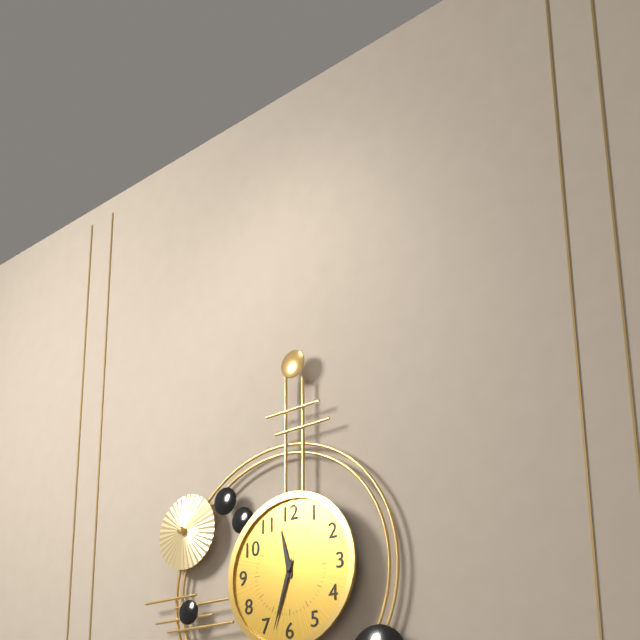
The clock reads 11 h 33 min
